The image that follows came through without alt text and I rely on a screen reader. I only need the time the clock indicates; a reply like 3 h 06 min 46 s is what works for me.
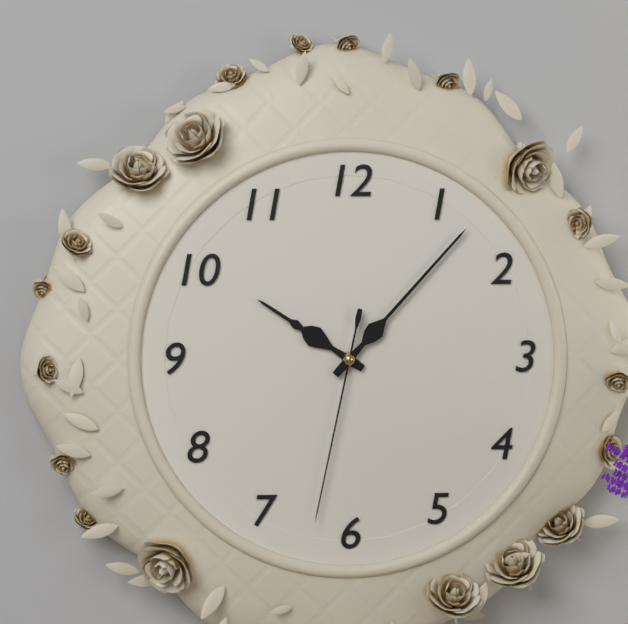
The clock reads 10 h 07 min 32 s
